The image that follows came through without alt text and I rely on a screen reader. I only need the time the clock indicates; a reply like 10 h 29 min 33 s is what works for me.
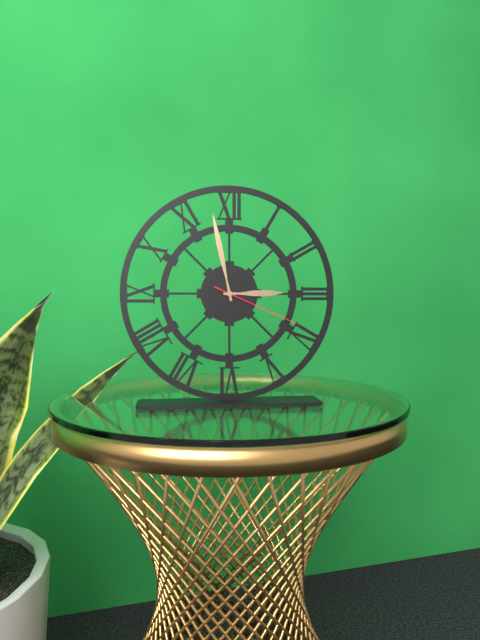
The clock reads 2 h 58 min 19 s
